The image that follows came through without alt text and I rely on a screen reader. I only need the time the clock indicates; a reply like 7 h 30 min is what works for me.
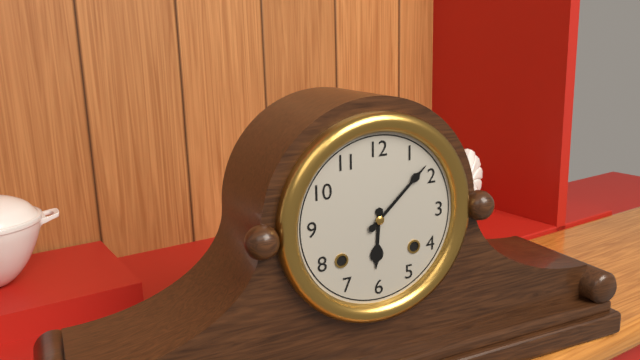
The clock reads 6 h 08 min
